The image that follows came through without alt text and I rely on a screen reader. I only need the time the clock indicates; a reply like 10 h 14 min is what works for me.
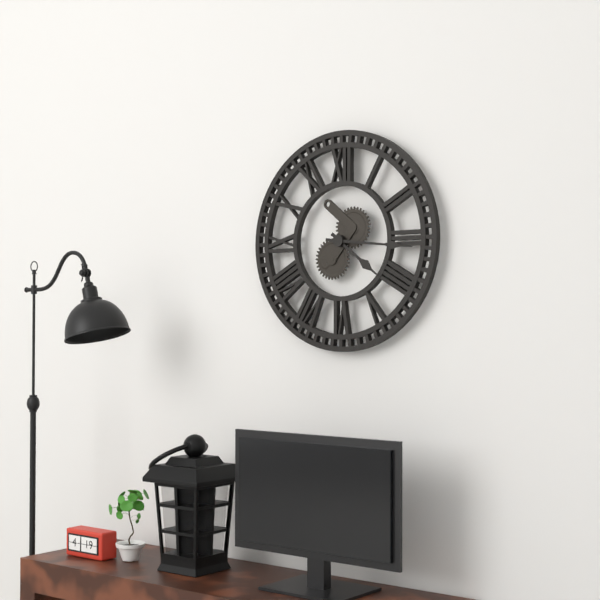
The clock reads 4 h 16 min
